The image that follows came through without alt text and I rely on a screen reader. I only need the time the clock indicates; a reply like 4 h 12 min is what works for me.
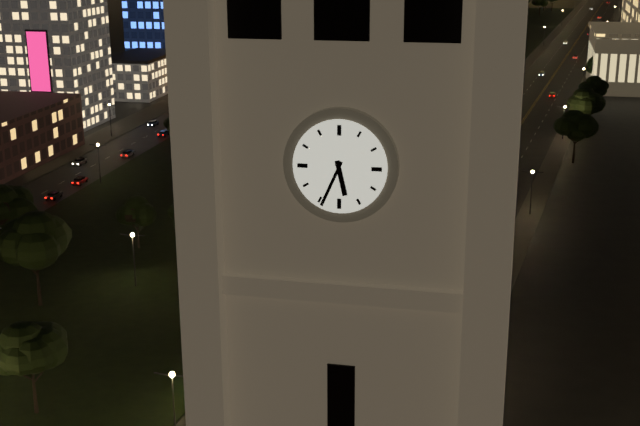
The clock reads 5 h 34 min
